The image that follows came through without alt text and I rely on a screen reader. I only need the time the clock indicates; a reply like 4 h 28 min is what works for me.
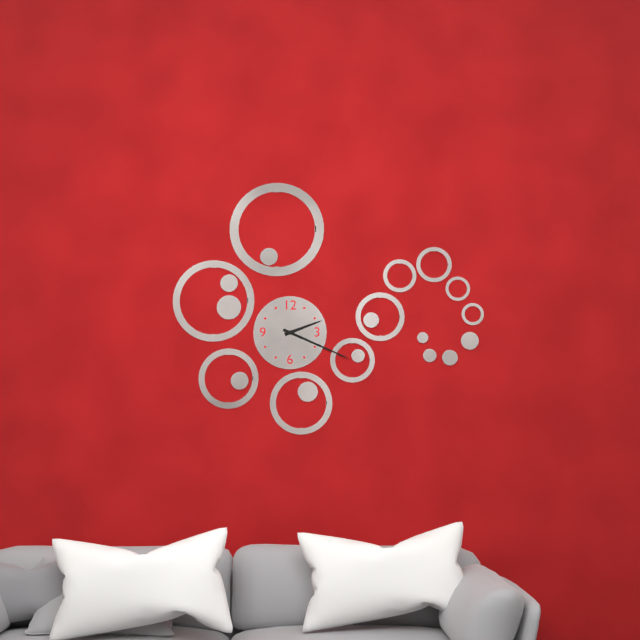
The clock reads 2 h 19 min
